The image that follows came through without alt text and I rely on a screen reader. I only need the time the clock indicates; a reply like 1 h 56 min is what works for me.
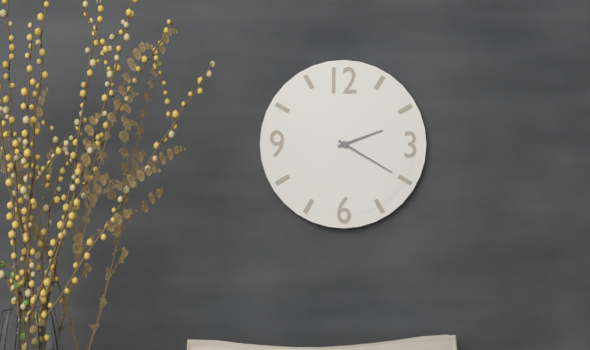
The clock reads 2 h 20 min
